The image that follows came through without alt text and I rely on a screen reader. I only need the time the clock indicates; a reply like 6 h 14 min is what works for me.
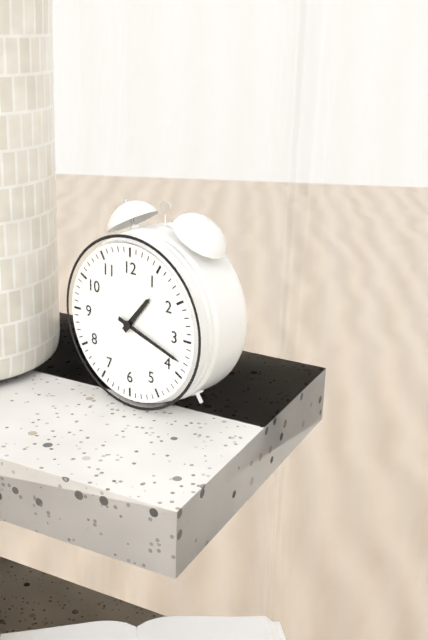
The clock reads 1 h 18 min
